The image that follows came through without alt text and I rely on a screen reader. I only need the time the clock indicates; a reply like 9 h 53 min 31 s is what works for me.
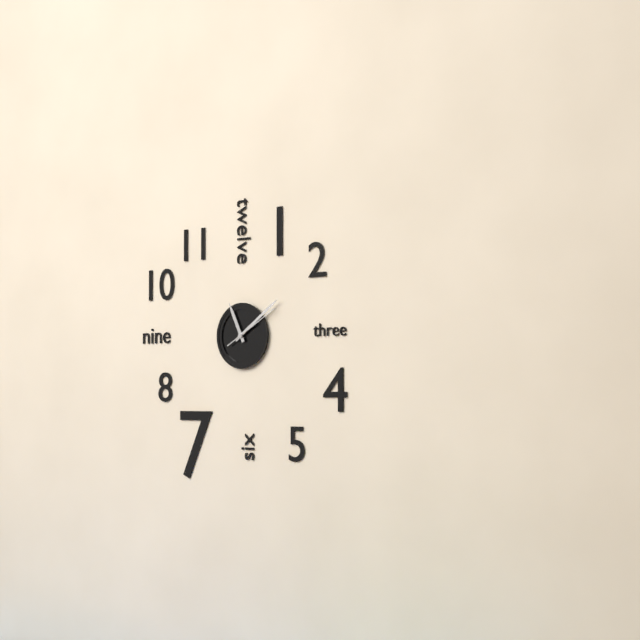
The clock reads 11 h 09 min 10 s
